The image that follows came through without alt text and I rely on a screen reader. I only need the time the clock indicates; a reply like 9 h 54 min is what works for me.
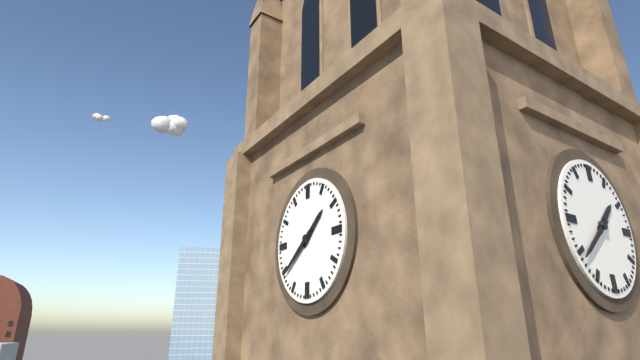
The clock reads 1 h 39 min
